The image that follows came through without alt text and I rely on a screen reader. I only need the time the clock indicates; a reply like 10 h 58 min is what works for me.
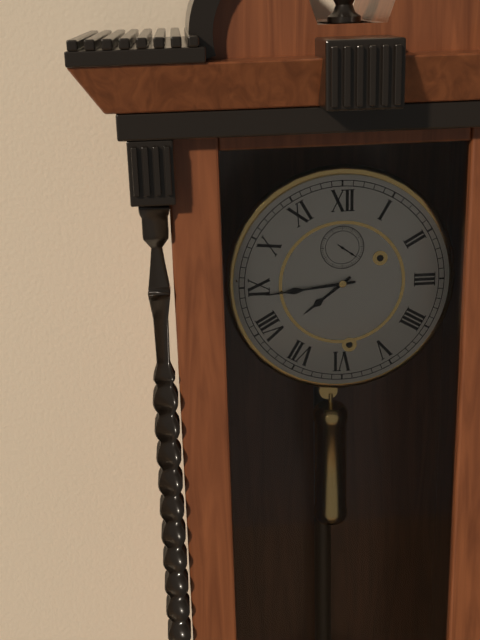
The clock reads 7 h 44 min
